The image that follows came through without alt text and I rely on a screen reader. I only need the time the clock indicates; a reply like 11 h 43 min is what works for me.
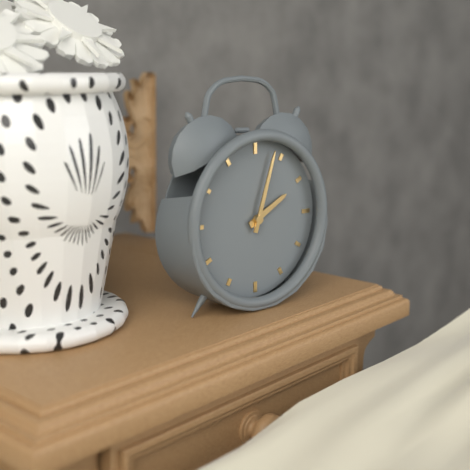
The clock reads 2 h 03 min
